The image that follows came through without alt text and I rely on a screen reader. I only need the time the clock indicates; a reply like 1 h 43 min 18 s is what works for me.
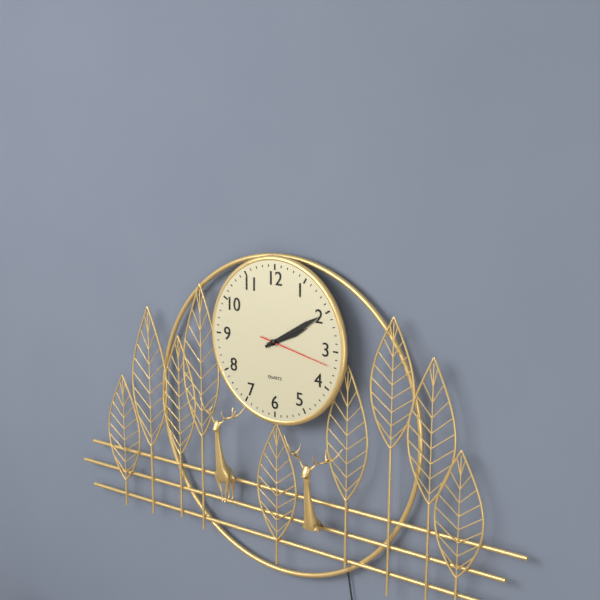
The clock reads 2 h 10 min 17 s
